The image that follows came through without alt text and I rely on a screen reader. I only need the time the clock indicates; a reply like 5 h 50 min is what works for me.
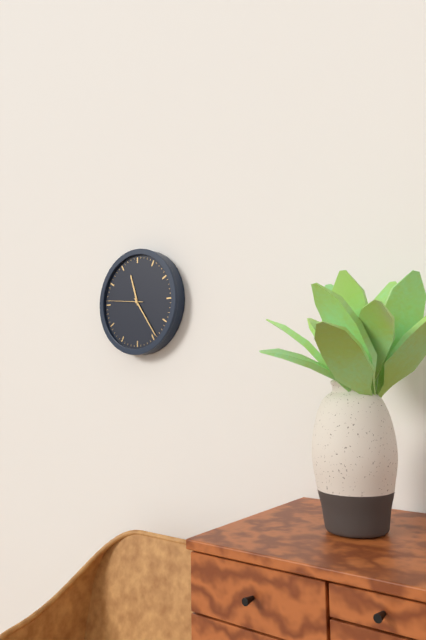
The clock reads 11 h 24 min
